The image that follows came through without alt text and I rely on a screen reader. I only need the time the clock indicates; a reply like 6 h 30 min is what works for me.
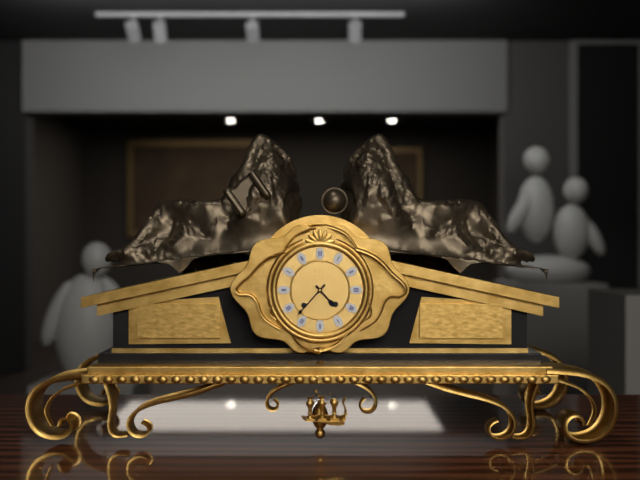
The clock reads 4 h 37 min
